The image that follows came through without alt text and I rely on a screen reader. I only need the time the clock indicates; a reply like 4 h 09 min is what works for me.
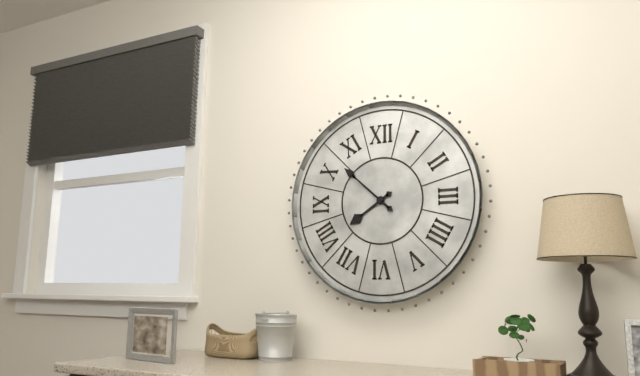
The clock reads 7 h 52 min
